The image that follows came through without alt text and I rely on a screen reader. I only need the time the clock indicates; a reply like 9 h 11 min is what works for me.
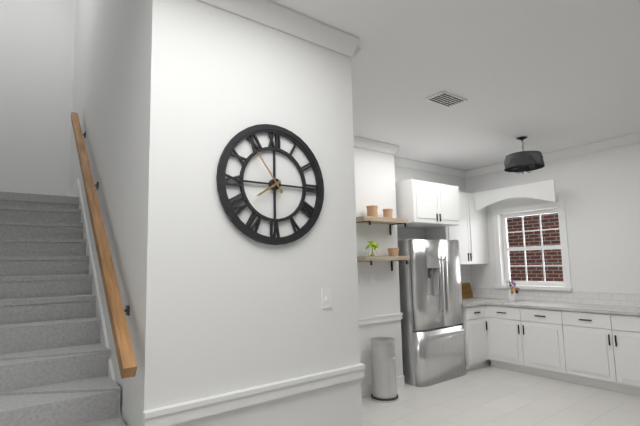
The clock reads 7 h 54 min
